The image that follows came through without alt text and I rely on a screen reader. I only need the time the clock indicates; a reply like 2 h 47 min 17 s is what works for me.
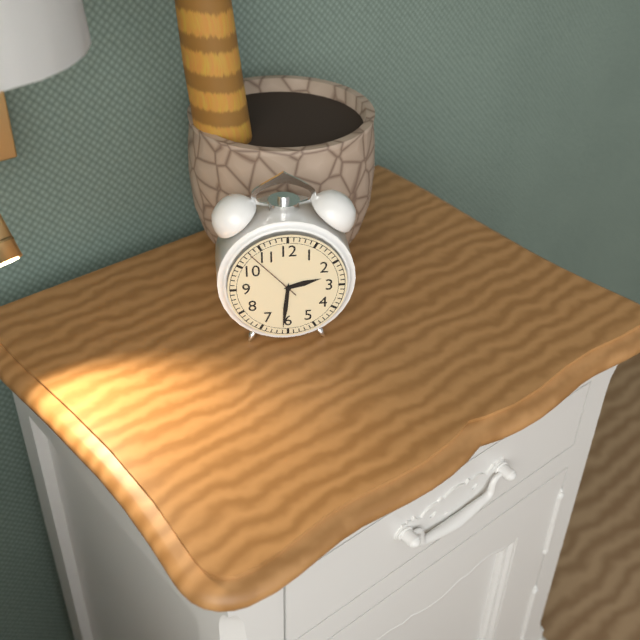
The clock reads 2 h 31 min 53 s
